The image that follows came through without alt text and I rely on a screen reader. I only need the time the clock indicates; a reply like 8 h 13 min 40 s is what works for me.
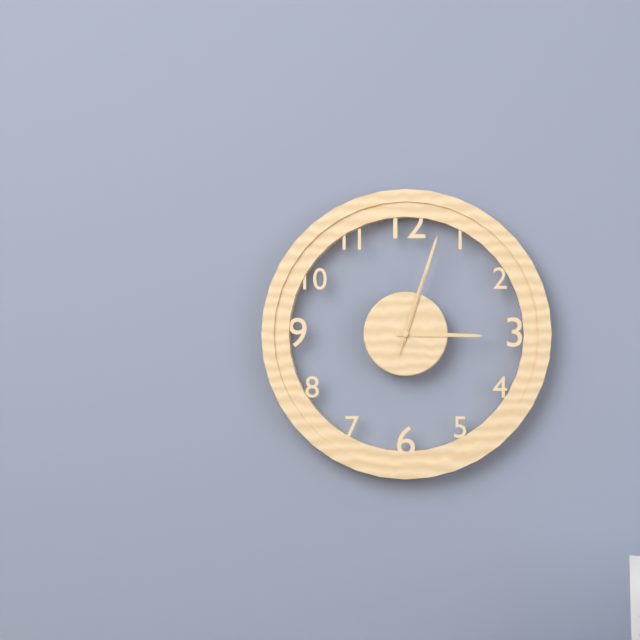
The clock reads 3 h 03 min 03 s
